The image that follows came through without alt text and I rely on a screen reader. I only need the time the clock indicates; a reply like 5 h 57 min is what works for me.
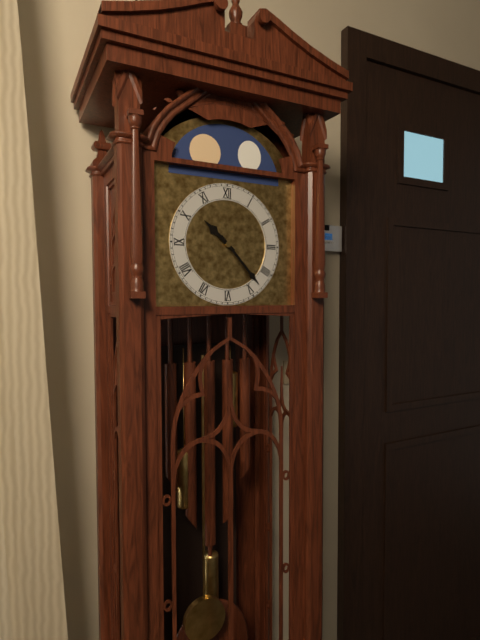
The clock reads 10 h 23 min
